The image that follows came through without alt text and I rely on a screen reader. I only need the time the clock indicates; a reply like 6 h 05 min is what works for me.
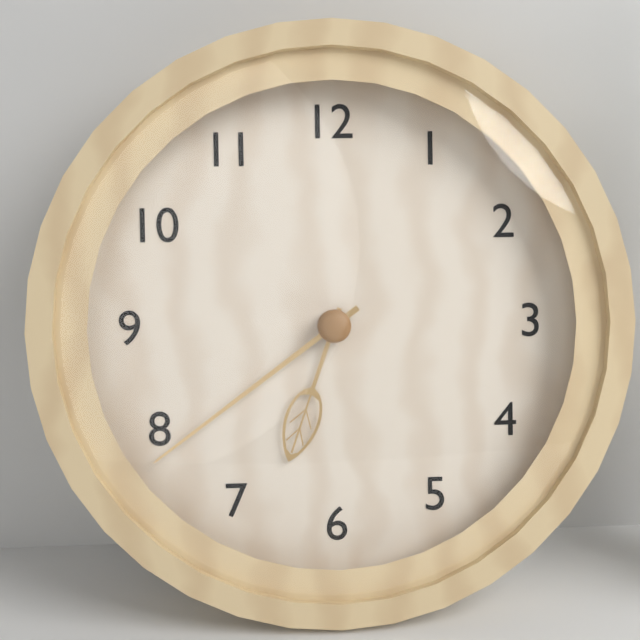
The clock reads 6 h 39 min
